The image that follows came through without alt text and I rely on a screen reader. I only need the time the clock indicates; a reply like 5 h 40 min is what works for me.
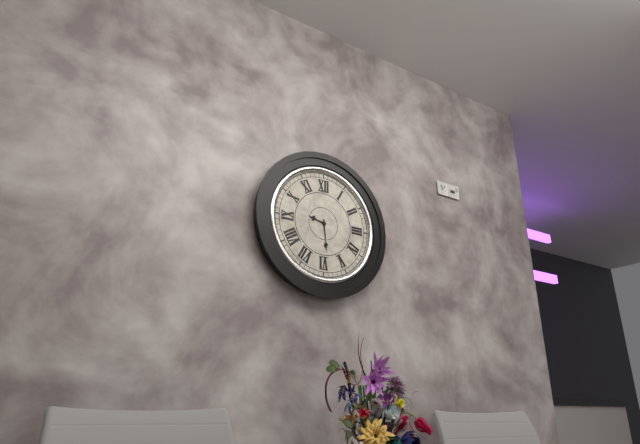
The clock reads 9 h 29 min
